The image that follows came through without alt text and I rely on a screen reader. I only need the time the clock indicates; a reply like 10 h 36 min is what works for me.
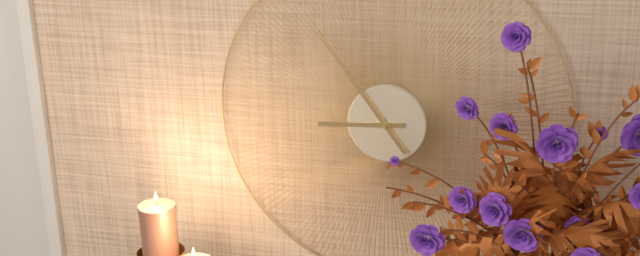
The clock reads 8 h 54 min
